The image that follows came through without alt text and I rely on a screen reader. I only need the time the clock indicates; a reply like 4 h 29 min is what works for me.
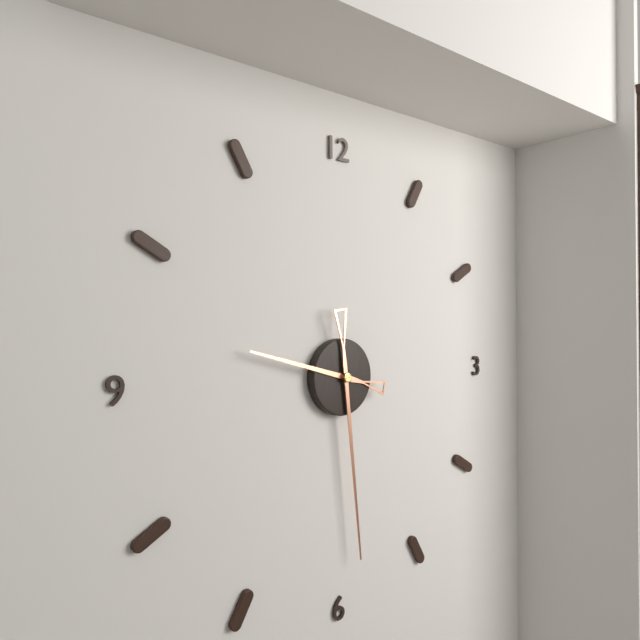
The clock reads 9 h 29 min
